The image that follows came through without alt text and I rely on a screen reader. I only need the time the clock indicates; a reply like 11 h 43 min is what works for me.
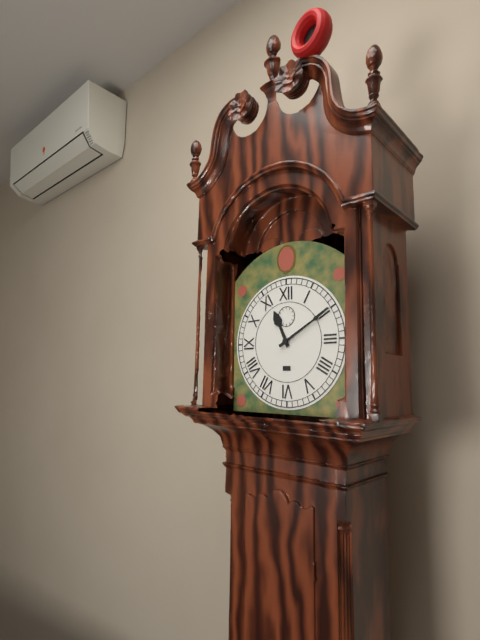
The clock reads 11 h 10 min
